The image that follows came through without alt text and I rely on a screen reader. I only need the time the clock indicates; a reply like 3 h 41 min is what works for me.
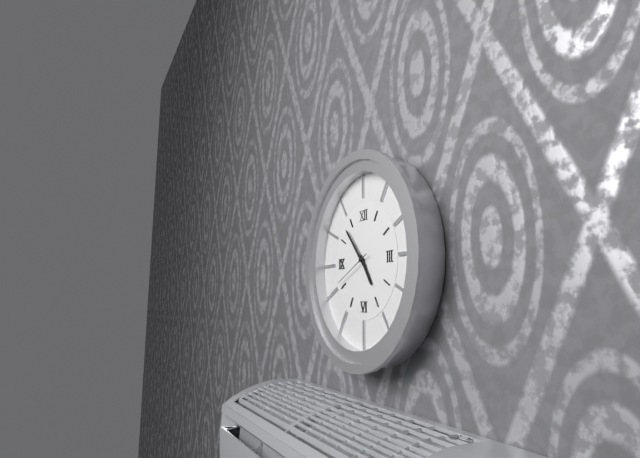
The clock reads 4 h 53 min
